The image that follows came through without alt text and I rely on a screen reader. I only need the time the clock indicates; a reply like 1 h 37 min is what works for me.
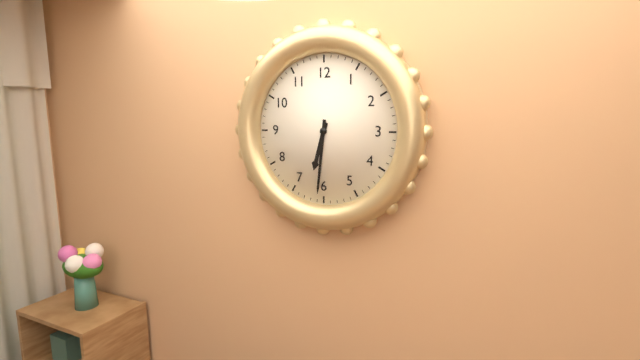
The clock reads 6 h 31 min
